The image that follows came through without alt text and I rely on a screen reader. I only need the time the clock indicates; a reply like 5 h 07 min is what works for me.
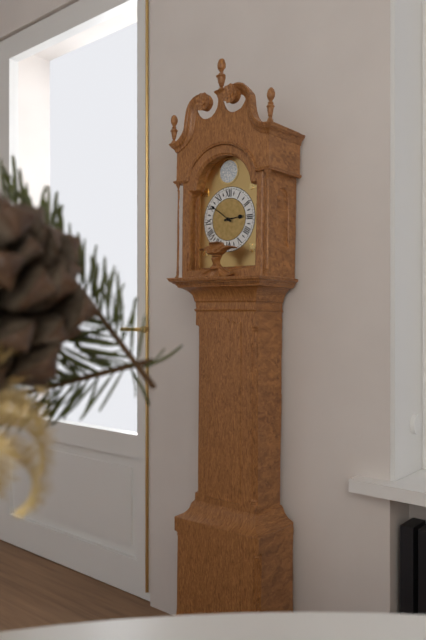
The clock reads 2 h 51 min
